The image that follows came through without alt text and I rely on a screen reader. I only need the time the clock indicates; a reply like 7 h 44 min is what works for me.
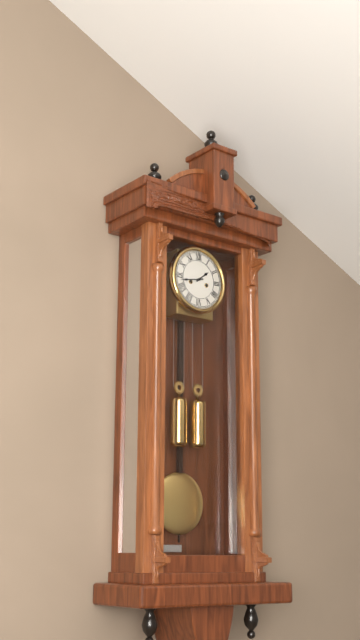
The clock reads 1 h 43 min
